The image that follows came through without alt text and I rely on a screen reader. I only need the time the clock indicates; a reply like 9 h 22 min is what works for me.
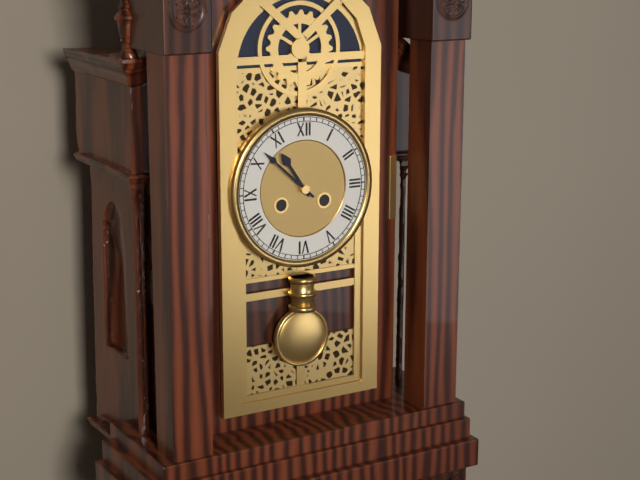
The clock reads 10 h 52 min
